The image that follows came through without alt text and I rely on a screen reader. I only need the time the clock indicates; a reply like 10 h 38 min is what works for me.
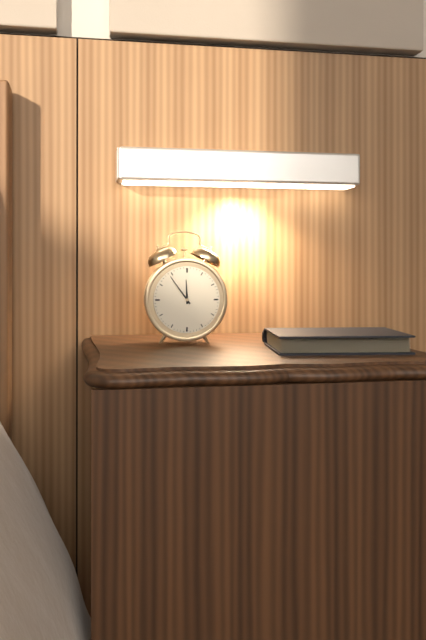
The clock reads 11 h 54 min
